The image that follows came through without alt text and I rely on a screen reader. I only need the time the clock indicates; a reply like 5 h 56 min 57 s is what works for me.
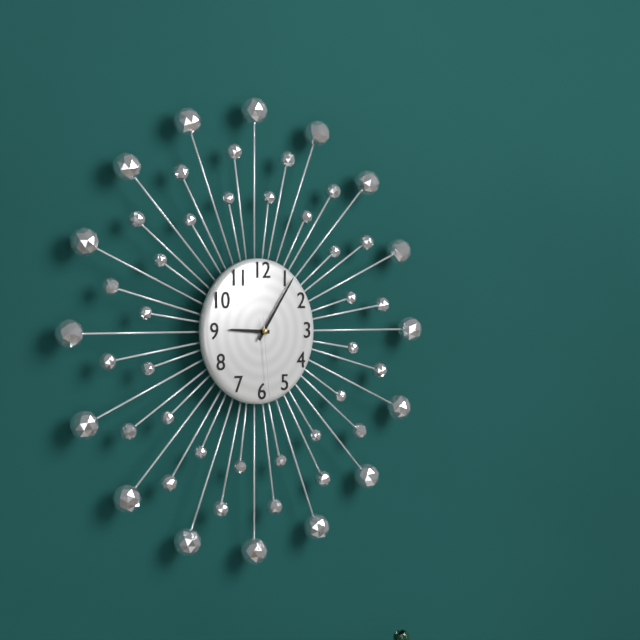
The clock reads 9 h 06 min 29 s
